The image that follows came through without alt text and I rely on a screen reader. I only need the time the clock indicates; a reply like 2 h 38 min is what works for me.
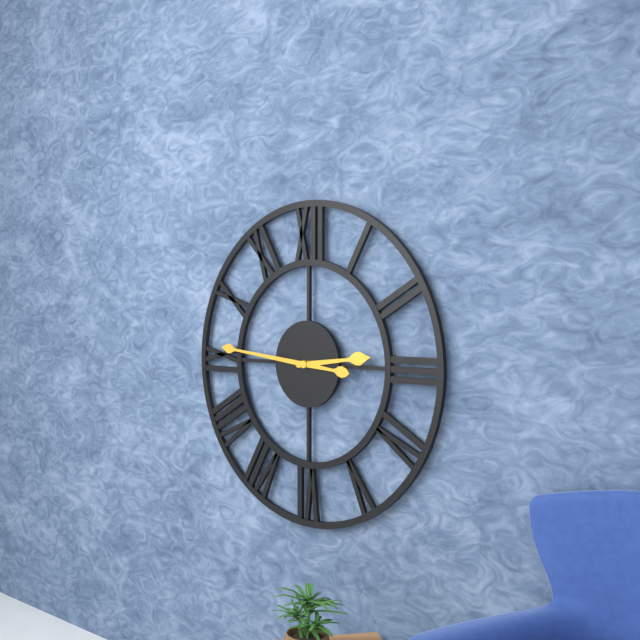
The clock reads 2 h 46 min
